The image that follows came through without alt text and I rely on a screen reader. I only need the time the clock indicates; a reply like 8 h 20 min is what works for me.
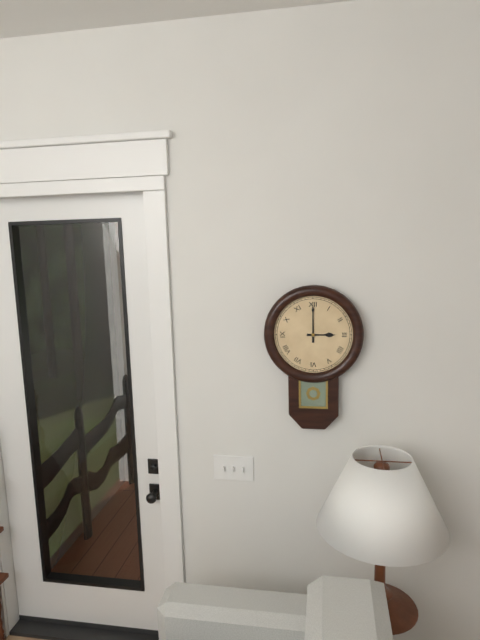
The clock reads 3 h 00 min
